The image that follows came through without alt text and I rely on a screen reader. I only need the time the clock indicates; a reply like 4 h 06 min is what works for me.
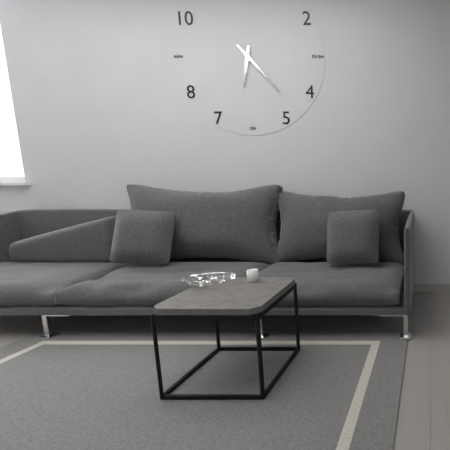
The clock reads 6 h 23 min
